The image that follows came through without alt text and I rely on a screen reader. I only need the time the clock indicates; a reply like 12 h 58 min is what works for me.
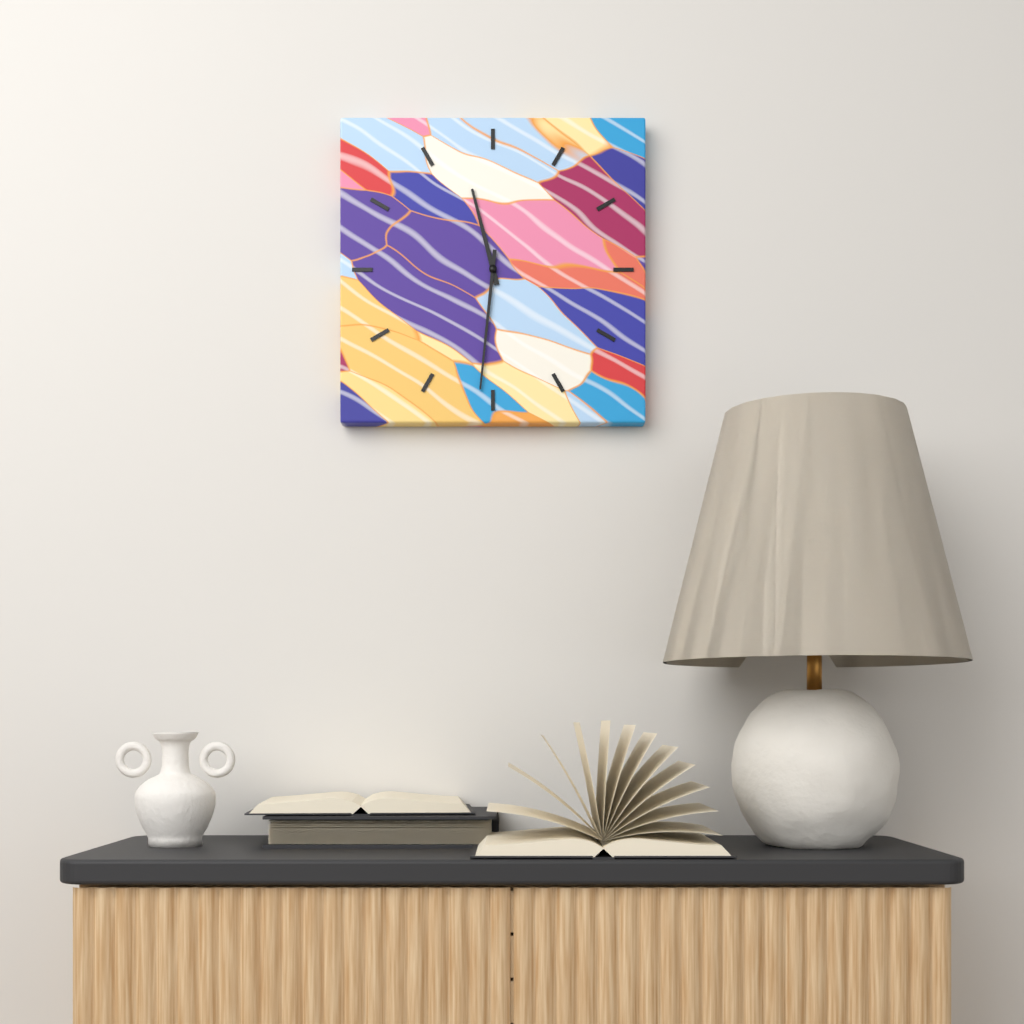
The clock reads 11 h 31 min
